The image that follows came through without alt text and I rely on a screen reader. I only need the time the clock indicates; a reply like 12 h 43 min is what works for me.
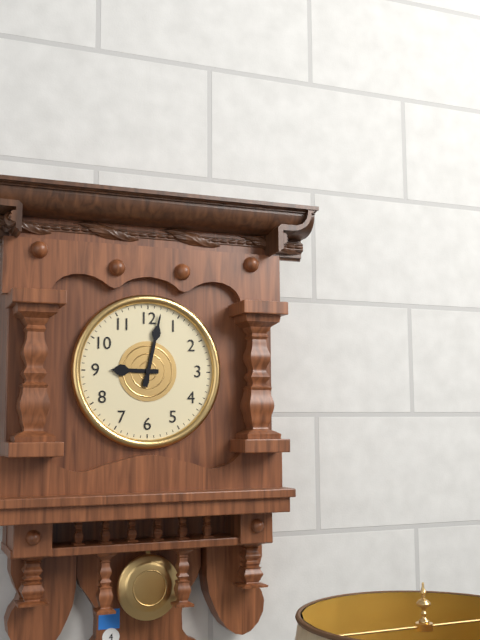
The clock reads 9 h 02 min
